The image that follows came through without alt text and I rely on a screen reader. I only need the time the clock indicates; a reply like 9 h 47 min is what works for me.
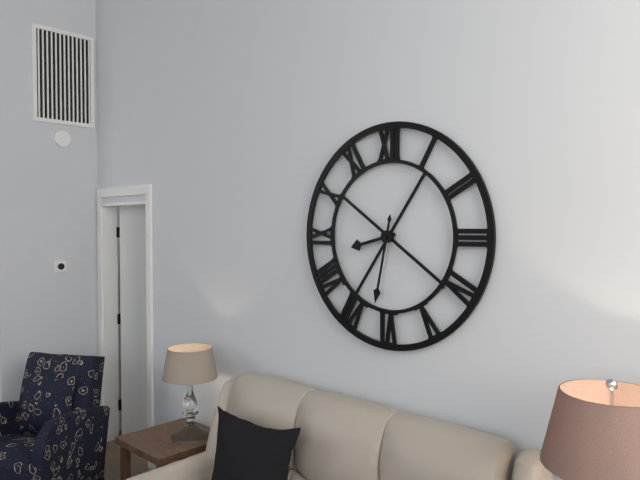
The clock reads 8 h 32 min
